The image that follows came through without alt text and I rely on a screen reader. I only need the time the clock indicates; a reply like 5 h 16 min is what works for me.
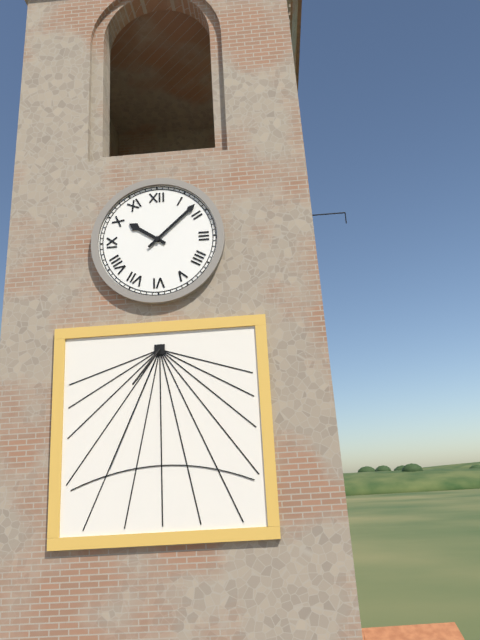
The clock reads 10 h 08 min
